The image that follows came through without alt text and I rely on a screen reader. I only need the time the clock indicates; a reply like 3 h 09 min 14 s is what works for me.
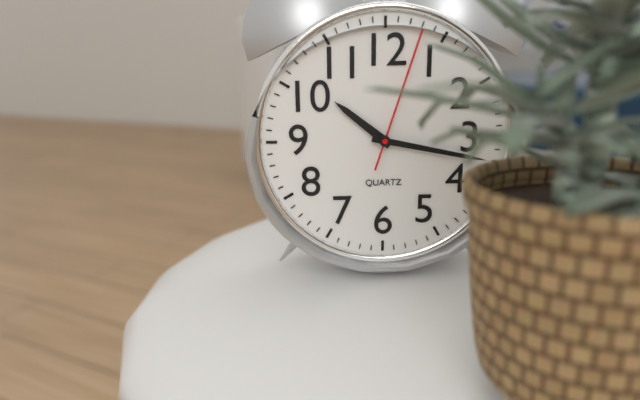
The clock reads 10 h 17 min 03 s
